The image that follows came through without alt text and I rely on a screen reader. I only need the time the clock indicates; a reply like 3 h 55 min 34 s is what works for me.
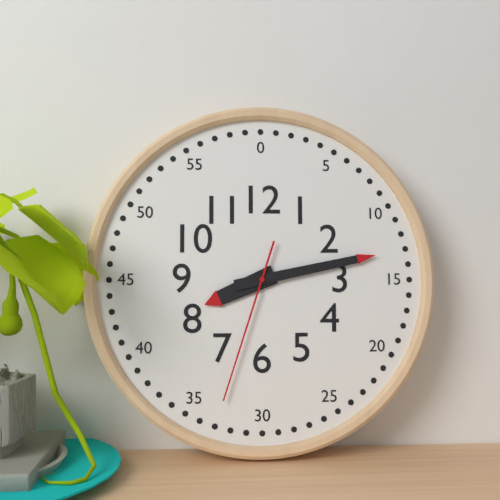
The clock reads 8 h 13 min 33 s
